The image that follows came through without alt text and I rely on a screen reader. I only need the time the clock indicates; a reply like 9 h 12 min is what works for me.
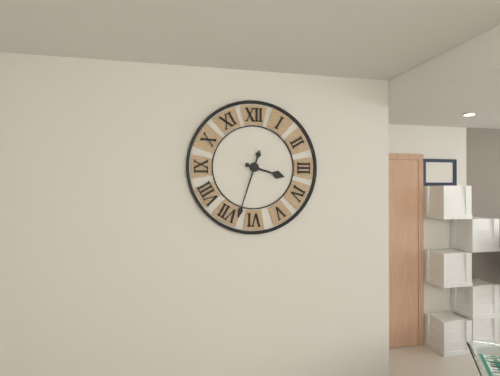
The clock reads 3 h 33 min
